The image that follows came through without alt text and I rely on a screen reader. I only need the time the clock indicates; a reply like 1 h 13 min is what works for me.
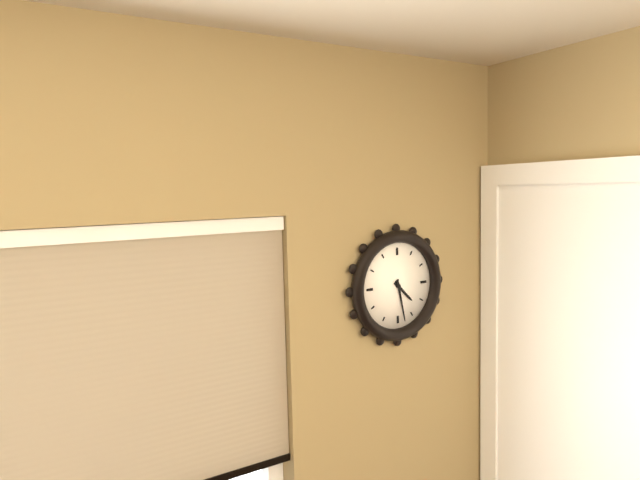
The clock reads 4 h 28 min
